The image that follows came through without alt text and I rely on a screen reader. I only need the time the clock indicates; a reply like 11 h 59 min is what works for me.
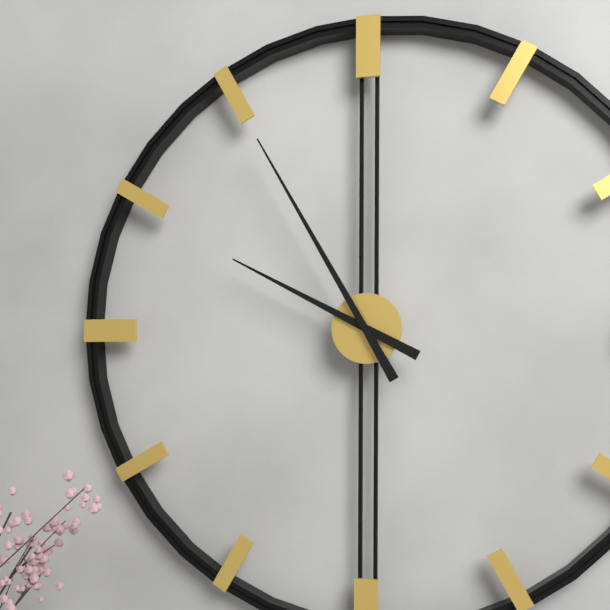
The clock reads 9 h 55 min
